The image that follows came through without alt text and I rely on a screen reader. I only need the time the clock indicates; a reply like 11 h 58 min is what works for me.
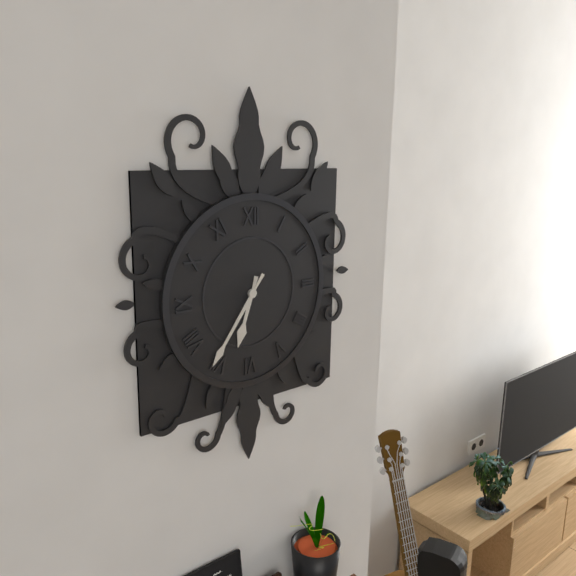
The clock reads 6 h 36 min
